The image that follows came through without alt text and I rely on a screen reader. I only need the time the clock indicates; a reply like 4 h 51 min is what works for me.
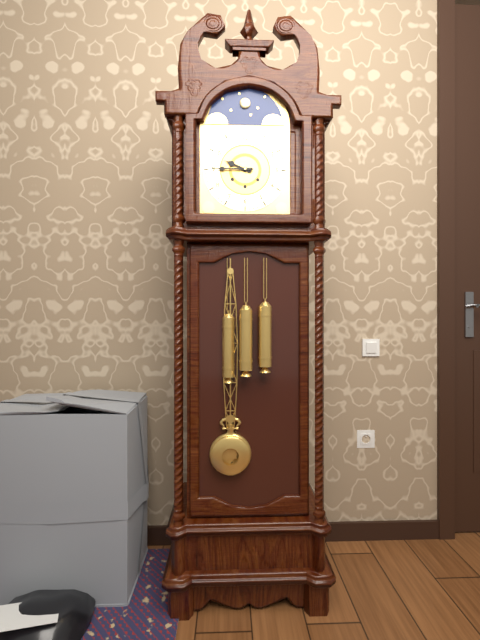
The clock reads 9 h 45 min
